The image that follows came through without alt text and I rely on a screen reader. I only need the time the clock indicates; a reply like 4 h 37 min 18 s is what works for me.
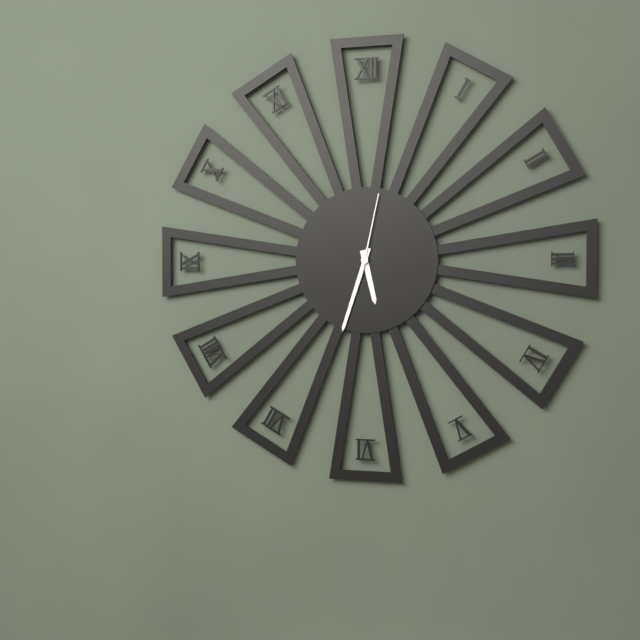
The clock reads 5 h 33 min 02 s
